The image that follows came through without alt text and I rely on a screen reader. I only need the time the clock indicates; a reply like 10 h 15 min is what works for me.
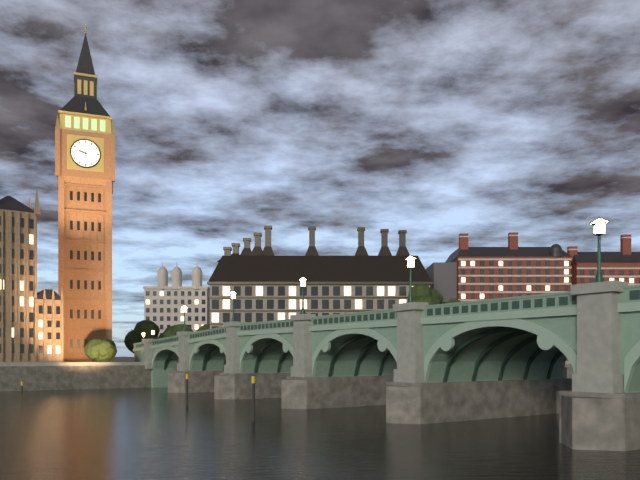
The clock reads 9 h 47 min
